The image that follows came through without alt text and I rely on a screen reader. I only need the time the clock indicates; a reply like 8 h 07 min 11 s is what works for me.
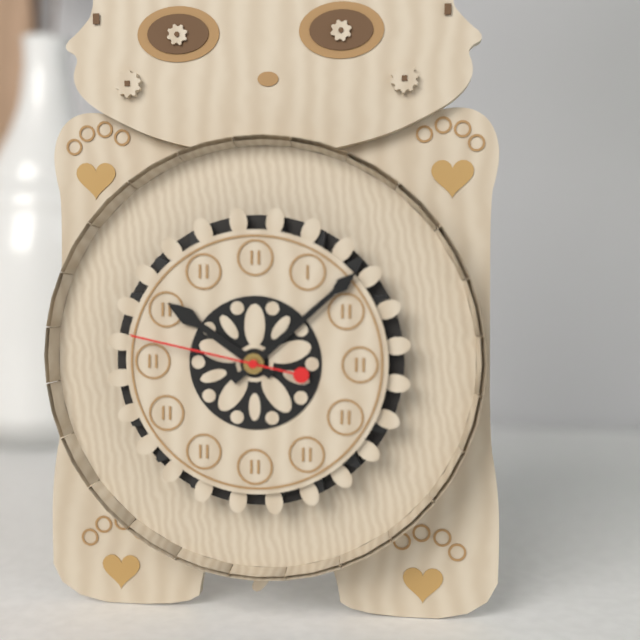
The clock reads 10 h 08 min 47 s
